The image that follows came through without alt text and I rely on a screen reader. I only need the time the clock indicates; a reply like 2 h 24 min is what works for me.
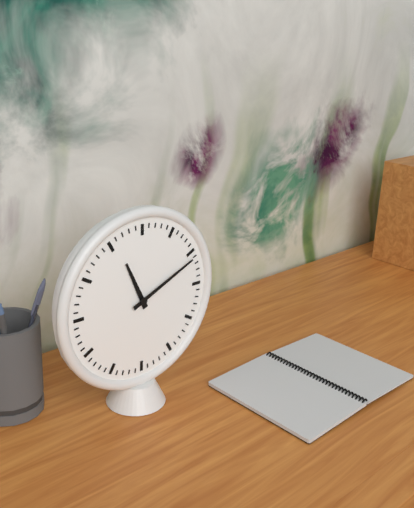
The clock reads 11 h 11 min
